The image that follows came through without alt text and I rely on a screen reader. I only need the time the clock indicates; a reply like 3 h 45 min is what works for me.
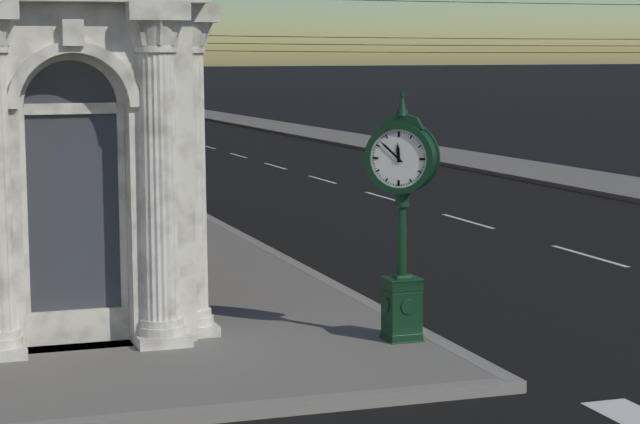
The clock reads 11 h 52 min
